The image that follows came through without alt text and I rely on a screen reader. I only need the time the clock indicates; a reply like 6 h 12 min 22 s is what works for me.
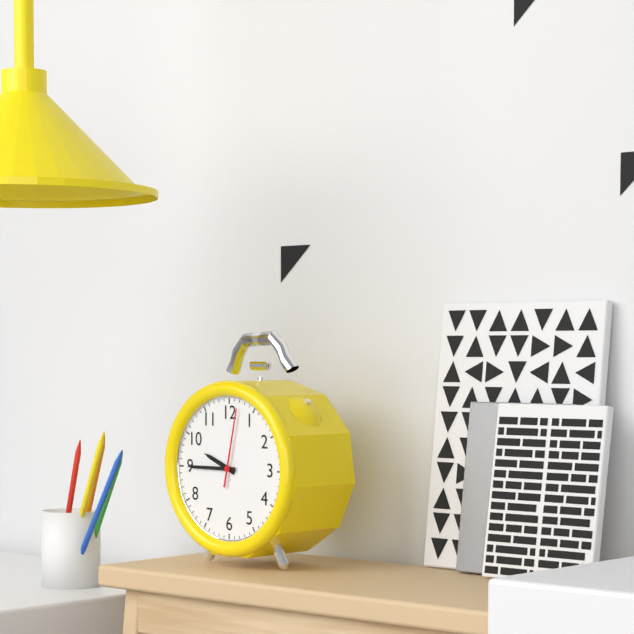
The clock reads 9 h 45 min 02 s
